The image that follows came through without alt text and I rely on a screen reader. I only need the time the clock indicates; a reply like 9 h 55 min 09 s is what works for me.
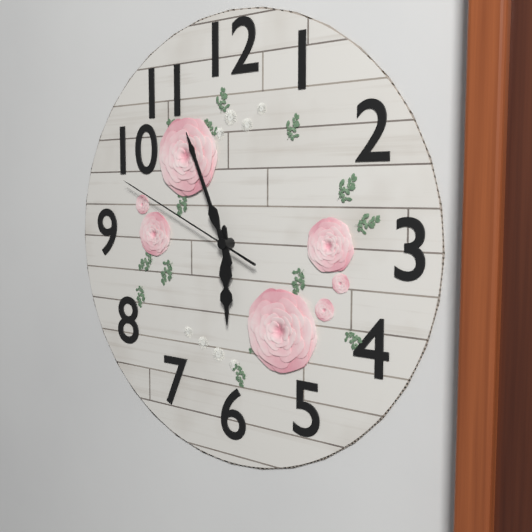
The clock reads 5 h 56 min 49 s
